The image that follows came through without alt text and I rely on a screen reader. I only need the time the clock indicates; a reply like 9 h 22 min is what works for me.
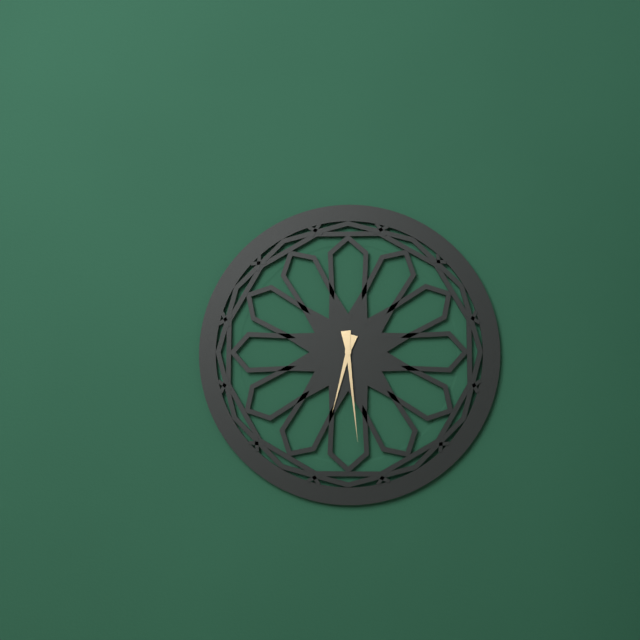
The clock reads 6 h 29 min
